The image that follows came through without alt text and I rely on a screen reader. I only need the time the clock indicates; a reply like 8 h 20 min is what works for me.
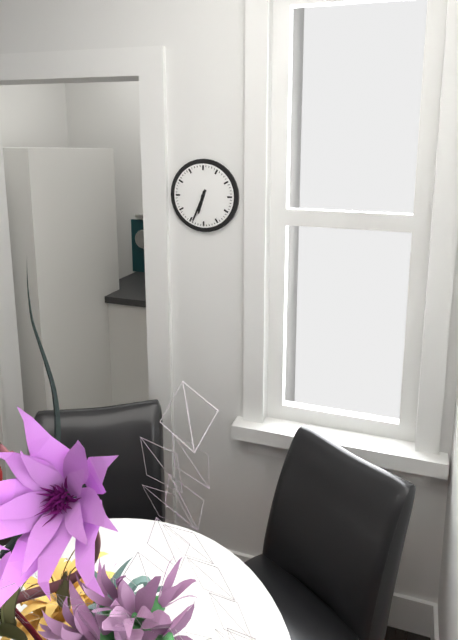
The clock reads 6 h 34 min
